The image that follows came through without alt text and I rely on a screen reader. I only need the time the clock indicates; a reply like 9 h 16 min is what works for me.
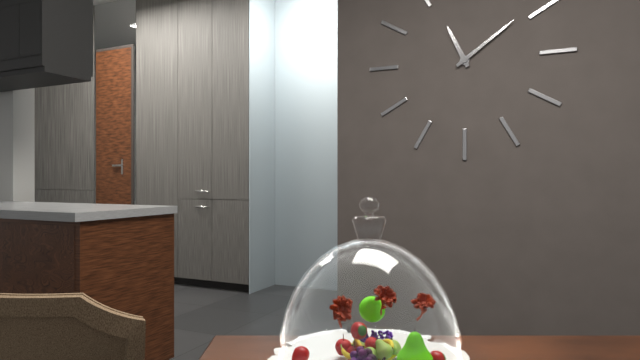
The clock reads 11 h 09 min
